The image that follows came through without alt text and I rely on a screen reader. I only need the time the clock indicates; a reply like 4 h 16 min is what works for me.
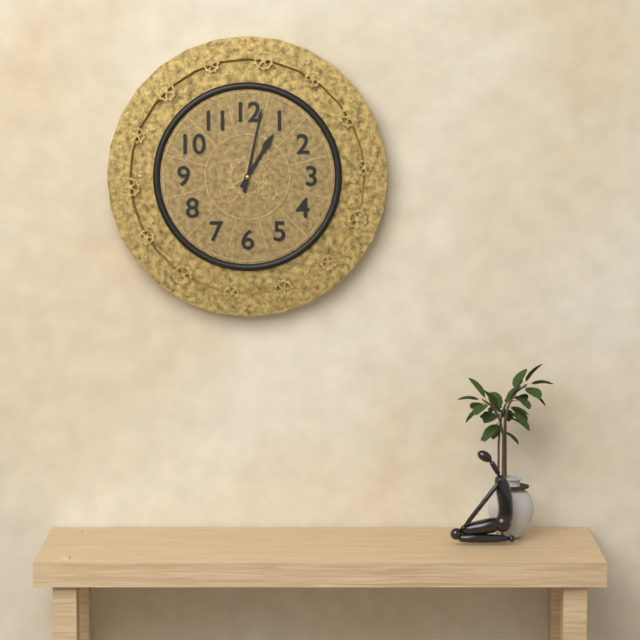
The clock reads 1 h 02 min
